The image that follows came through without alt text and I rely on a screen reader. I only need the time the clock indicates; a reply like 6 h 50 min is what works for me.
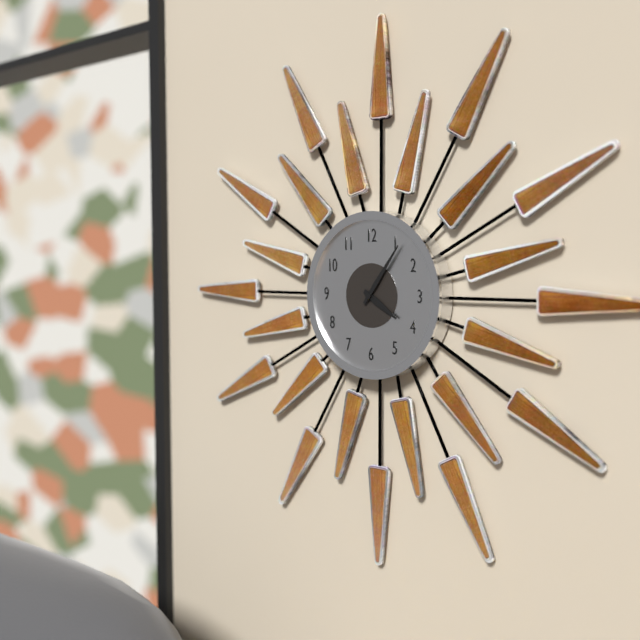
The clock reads 4 h 06 min
